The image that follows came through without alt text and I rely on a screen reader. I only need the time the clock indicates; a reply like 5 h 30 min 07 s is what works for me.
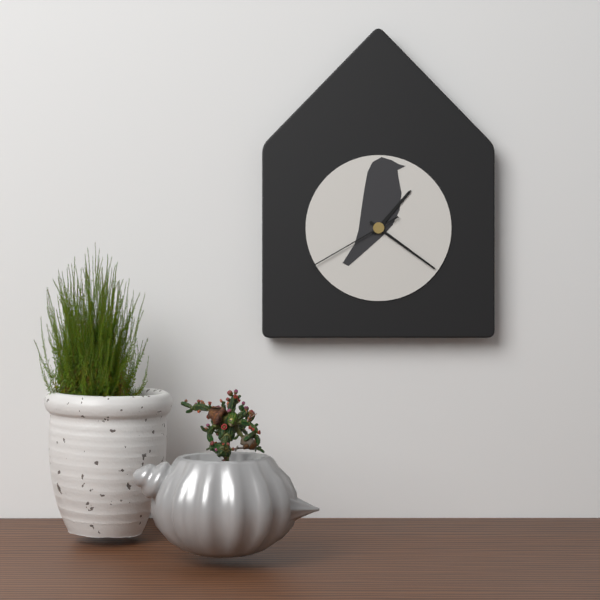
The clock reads 1 h 21 min 40 s
